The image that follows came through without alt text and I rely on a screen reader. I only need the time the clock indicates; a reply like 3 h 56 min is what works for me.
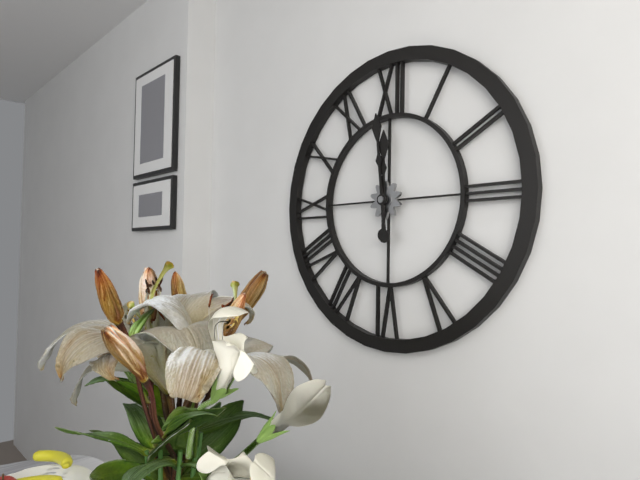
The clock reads 11 h 59 min
